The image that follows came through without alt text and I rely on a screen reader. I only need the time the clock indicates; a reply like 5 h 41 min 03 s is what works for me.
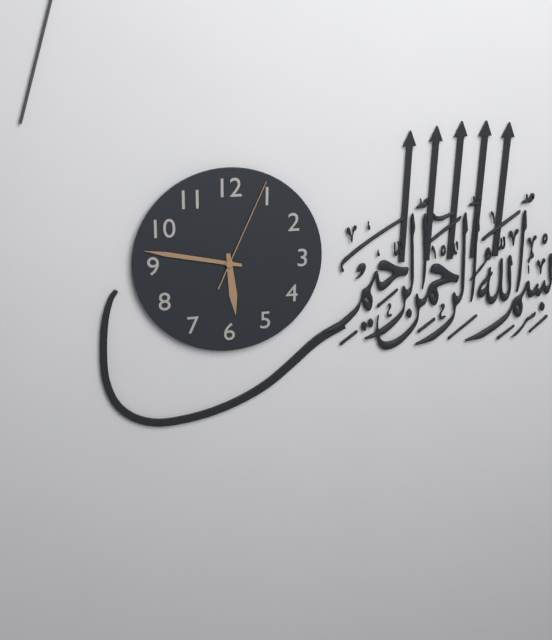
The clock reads 5 h 47 min 04 s
